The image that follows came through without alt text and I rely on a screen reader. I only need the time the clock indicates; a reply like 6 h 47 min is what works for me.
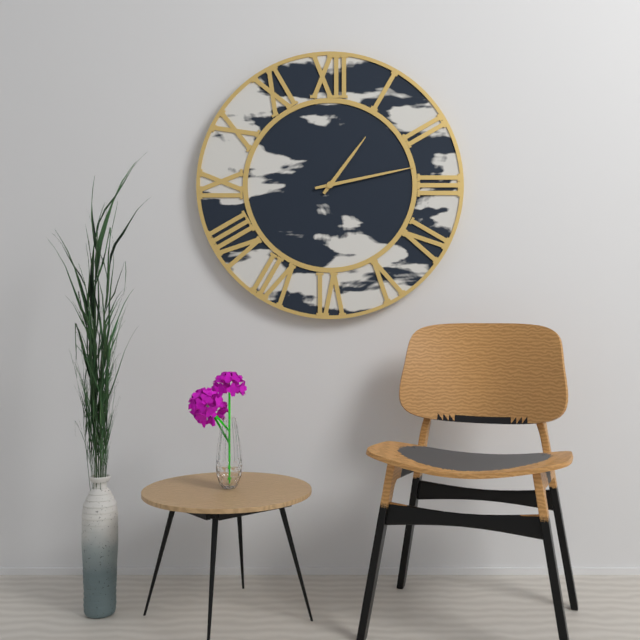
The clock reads 1 h 13 min
